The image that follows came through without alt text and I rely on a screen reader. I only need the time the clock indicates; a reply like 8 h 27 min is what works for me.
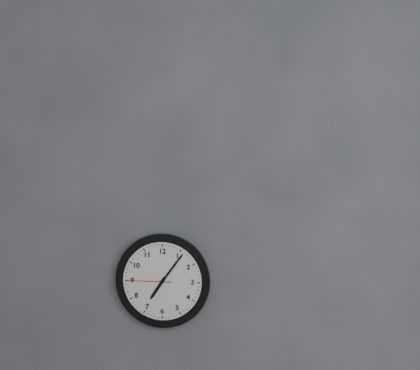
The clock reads 7 h 06 min
